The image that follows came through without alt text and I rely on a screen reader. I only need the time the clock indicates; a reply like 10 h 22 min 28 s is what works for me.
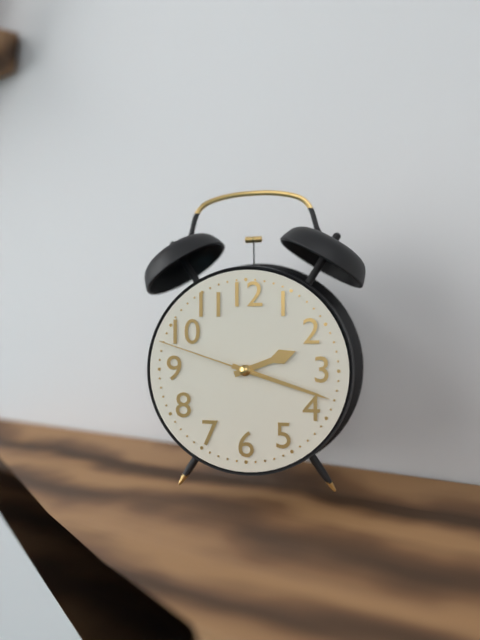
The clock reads 2 h 18 min 48 s
